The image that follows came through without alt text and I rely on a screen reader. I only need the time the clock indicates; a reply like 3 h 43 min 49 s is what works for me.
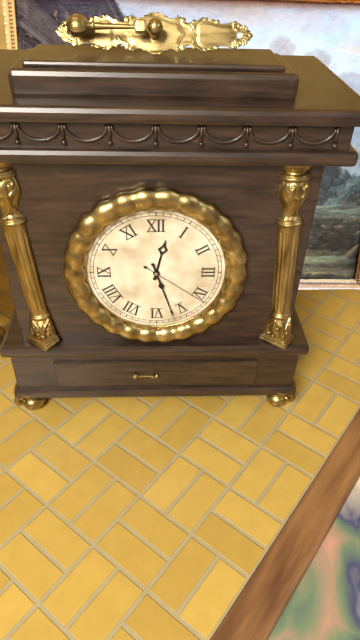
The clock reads 12 h 27 min 21 s
